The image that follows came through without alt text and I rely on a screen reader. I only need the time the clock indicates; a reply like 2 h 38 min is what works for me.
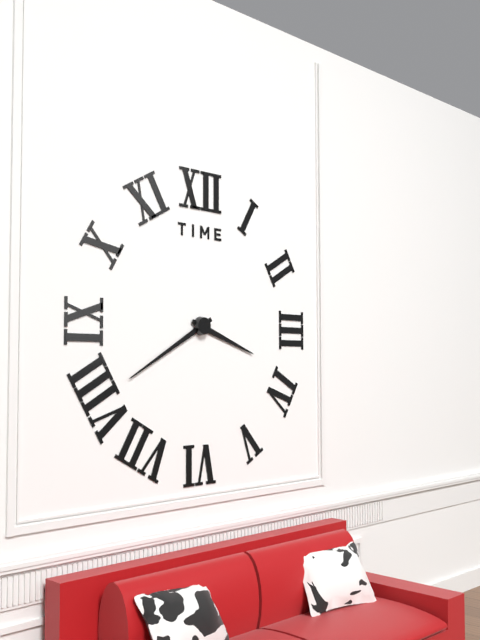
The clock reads 3 h 40 min
